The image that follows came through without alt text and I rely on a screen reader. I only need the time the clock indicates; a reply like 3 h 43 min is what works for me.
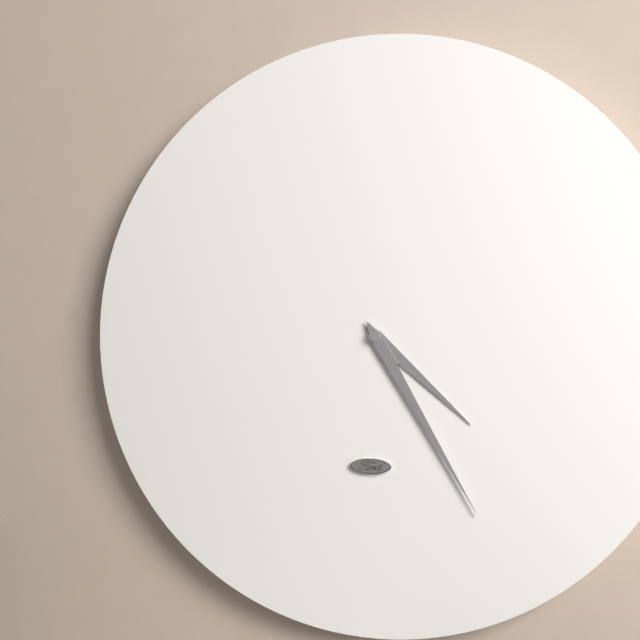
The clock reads 4 h 25 min
